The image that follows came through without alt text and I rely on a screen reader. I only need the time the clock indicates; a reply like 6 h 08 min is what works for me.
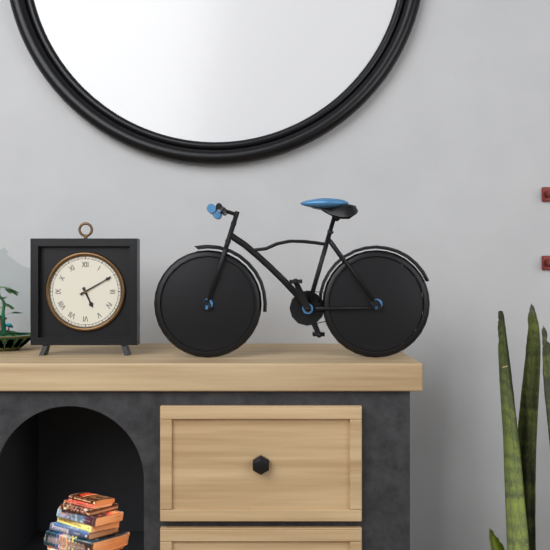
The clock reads 5 h 10 min
